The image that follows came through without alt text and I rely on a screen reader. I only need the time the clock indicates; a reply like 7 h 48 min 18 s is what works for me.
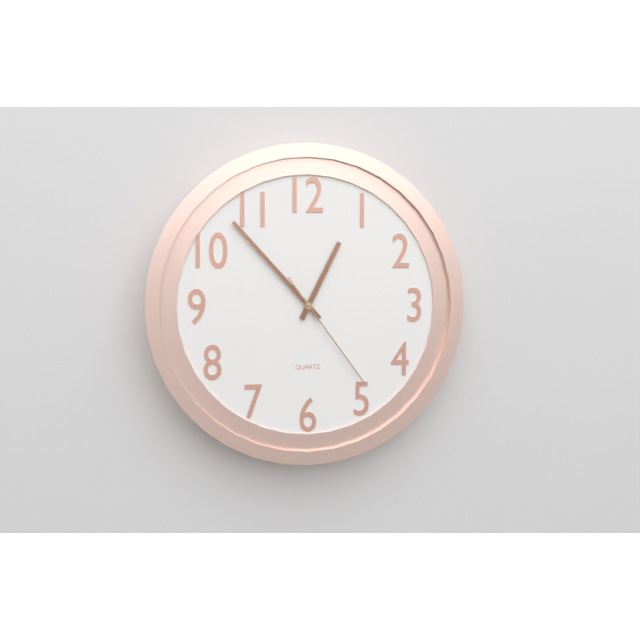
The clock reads 12 h 53 min 24 s
